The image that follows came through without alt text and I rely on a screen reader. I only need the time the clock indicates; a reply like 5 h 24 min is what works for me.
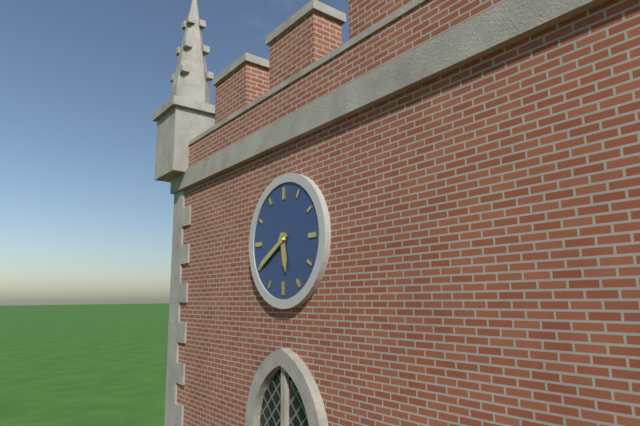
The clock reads 5 h 40 min
